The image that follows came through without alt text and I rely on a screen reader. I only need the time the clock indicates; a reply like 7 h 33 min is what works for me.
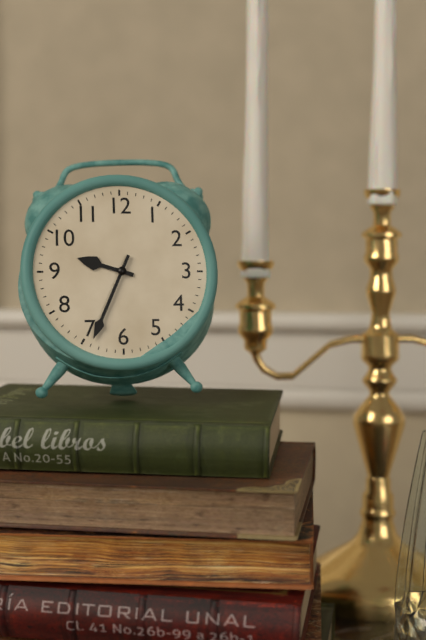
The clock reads 9 h 34 min
